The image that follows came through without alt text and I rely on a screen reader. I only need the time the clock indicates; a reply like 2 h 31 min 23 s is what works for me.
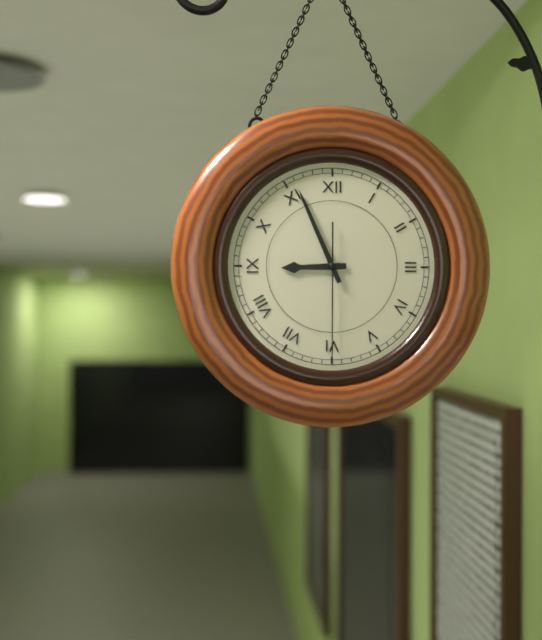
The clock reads 8 h 56 min 30 s
